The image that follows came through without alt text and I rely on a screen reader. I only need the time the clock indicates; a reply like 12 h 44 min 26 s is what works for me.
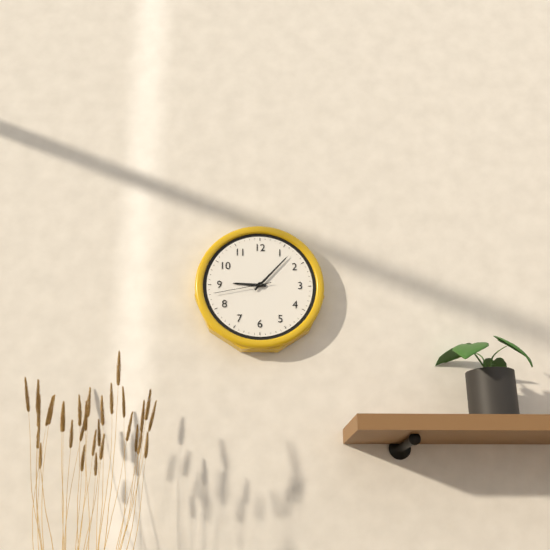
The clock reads 9 h 07 min 43 s
